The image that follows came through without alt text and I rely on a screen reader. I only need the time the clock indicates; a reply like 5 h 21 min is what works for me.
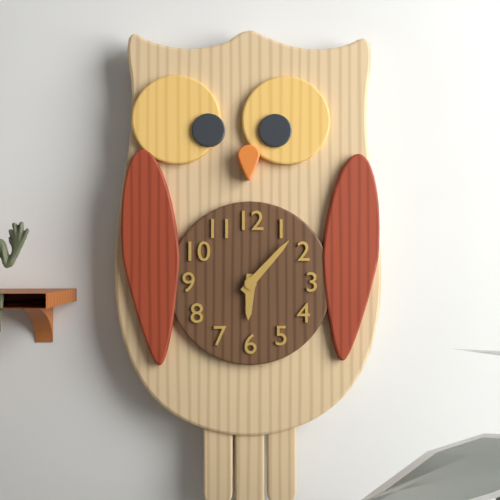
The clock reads 6 h 07 min
